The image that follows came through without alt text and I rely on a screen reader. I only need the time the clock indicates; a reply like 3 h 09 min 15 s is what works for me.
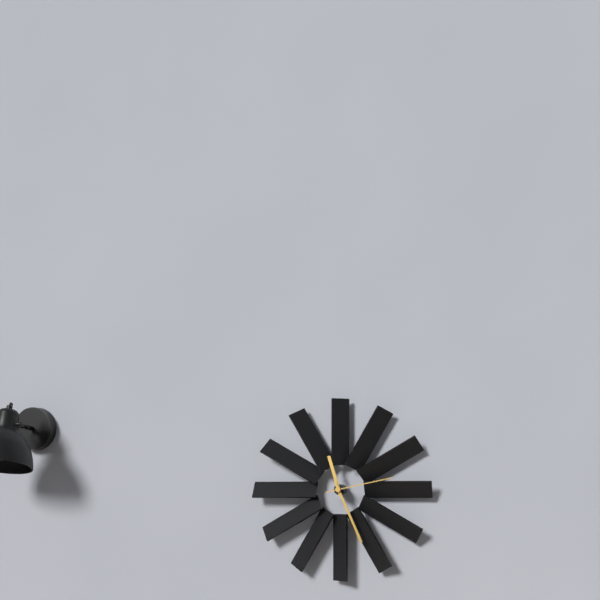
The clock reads 11 h 26 min 13 s
